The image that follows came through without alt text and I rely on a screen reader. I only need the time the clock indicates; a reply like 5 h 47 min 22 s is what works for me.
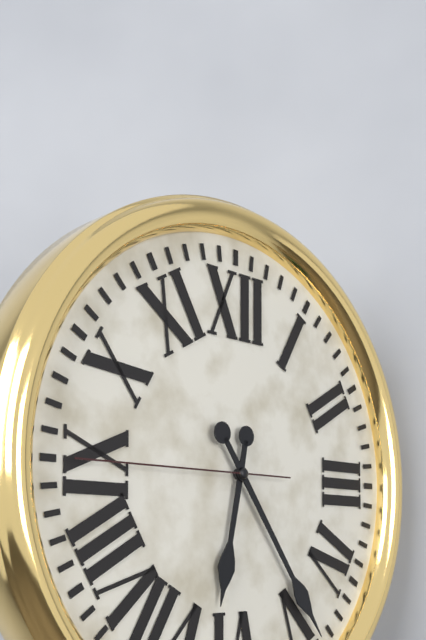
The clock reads 6 h 24 min 45 s
